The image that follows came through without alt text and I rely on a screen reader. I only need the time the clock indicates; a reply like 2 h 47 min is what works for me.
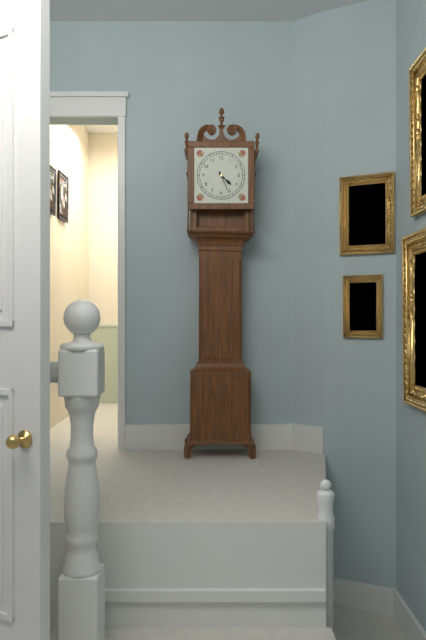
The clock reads 4 h 26 min
